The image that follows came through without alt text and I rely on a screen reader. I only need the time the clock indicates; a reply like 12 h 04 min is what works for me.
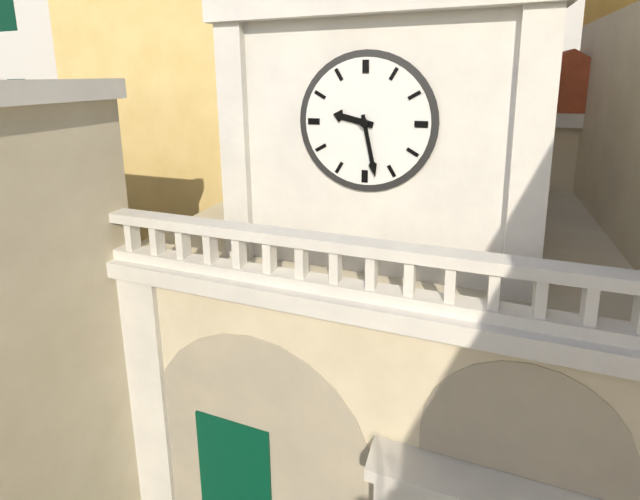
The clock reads 9 h 28 min
